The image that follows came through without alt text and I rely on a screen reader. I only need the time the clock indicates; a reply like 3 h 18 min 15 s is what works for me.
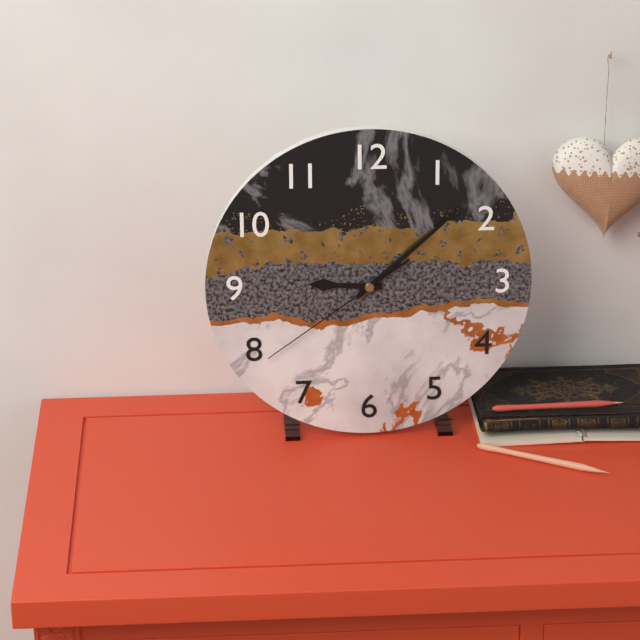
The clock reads 9 h 08 min 39 s
